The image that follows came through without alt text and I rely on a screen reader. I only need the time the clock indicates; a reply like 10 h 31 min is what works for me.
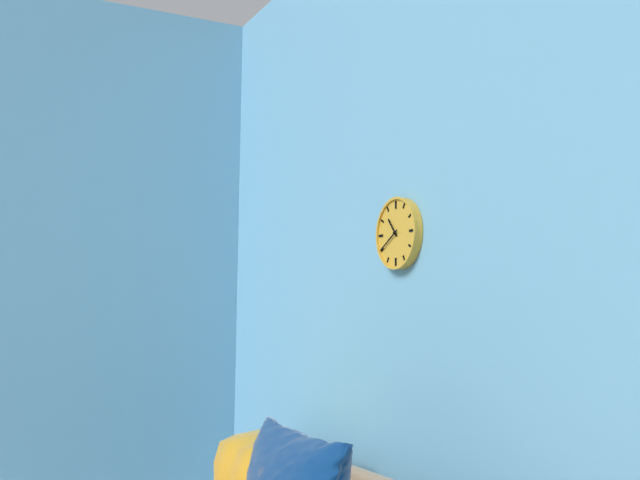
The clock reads 10 h 40 min
